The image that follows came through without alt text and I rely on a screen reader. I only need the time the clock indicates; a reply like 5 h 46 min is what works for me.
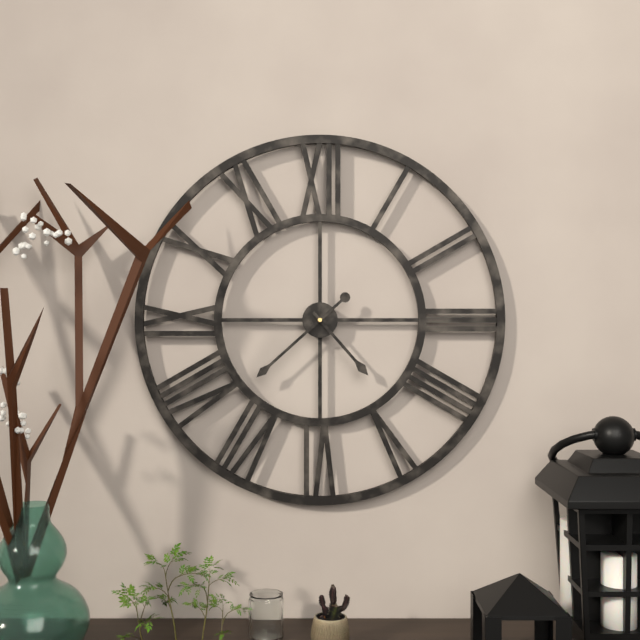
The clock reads 4 h 38 min
